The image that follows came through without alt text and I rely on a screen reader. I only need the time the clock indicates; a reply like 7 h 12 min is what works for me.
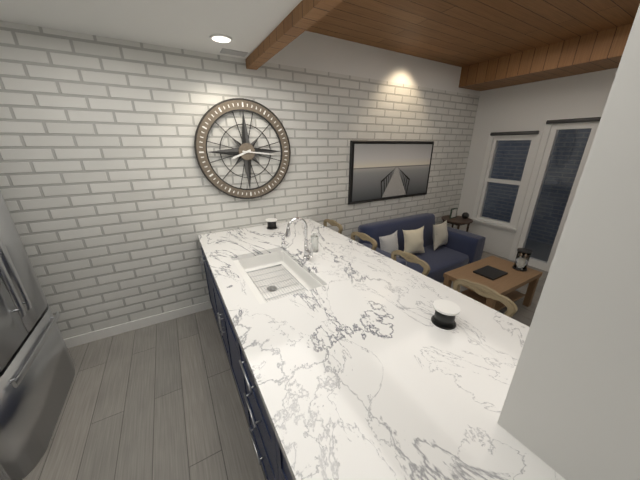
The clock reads 8 h 16 min
